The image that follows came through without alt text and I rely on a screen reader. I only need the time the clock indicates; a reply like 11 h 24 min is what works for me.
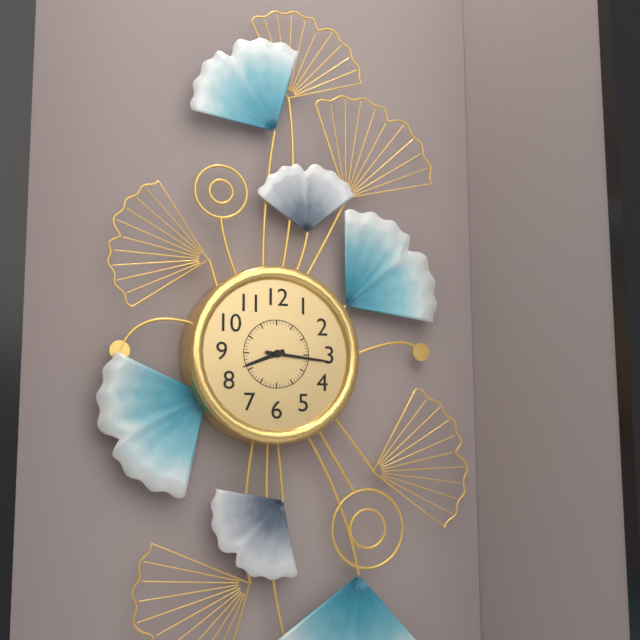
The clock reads 8 h 16 min
